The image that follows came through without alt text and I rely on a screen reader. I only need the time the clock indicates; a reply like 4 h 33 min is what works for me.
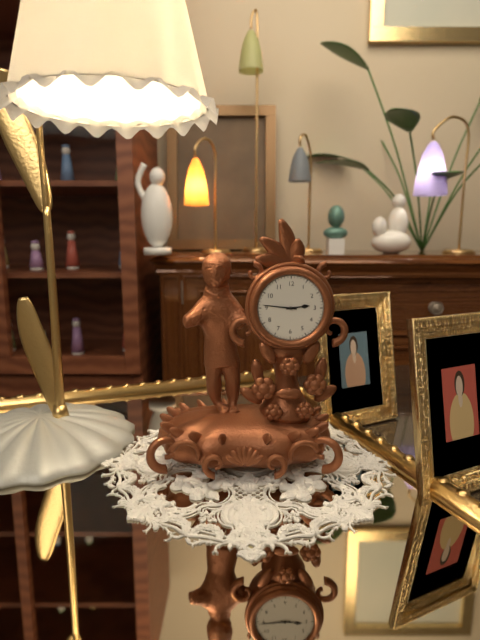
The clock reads 2 h 46 min
